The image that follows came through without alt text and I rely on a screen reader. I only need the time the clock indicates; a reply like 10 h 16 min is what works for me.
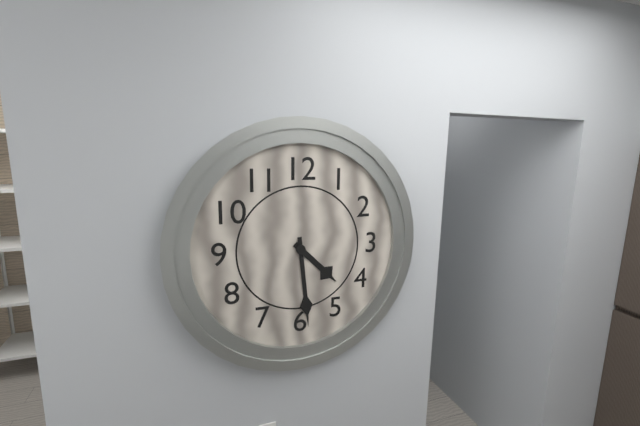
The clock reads 4 h 29 min
